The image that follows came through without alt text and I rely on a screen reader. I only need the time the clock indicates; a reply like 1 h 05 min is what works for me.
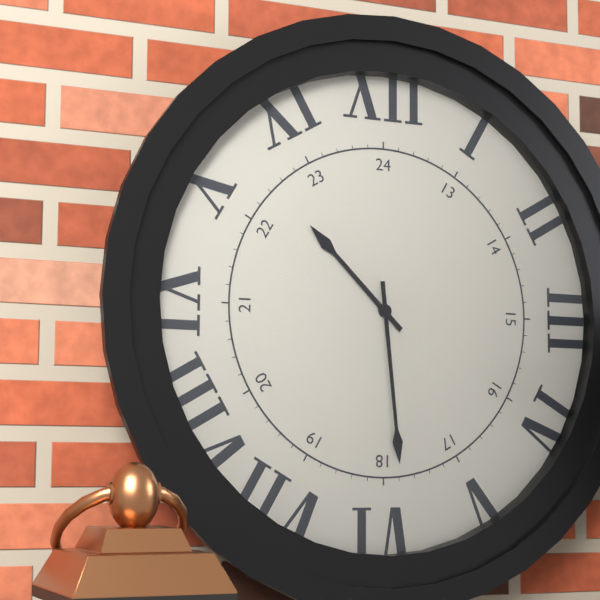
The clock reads 10 h 29 min
